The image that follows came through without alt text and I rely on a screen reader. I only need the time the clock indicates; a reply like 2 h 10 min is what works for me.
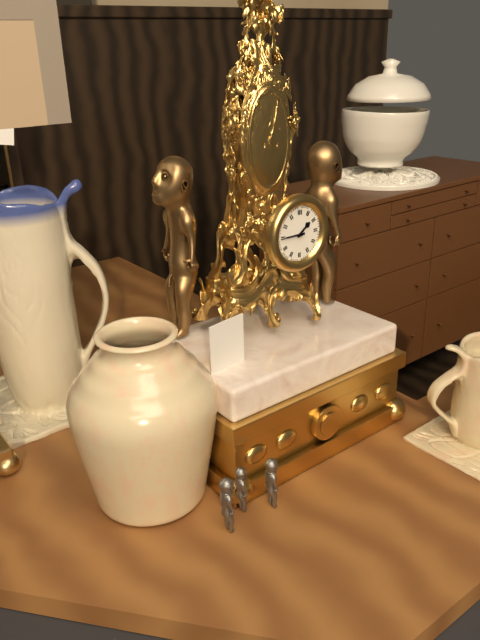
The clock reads 1 h 45 min
